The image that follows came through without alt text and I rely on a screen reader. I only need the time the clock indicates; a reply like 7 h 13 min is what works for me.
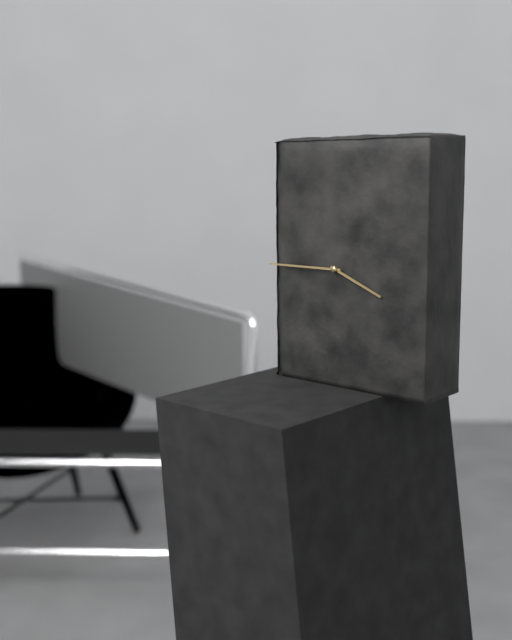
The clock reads 3 h 45 min
